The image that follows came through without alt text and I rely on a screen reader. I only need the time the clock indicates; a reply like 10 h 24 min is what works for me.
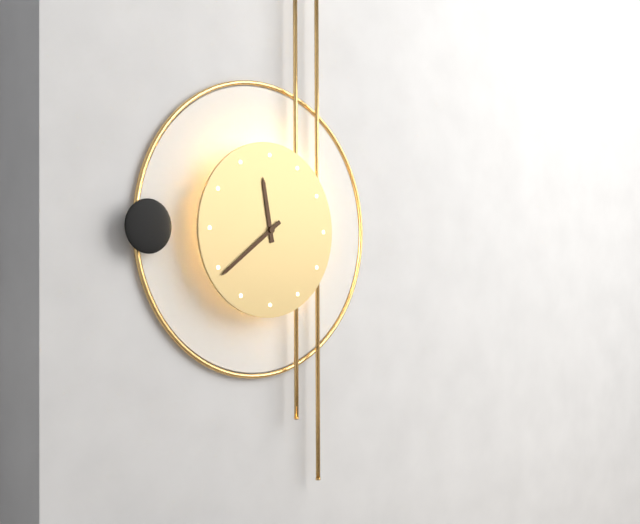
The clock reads 11 h 39 min
